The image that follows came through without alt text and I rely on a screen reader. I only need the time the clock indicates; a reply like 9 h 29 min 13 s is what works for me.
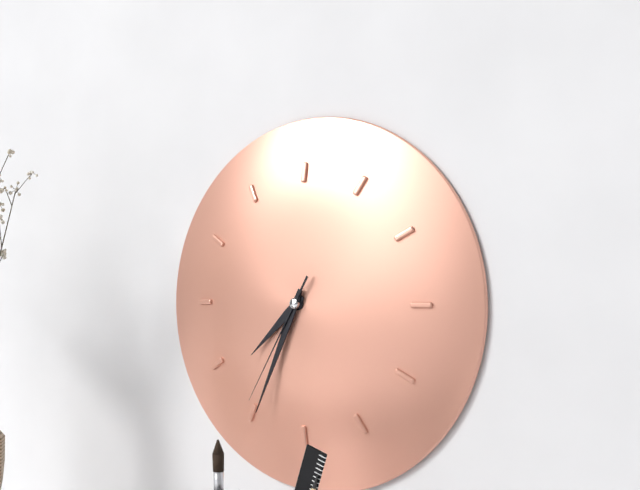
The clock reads 7 h 34 min 35 s
